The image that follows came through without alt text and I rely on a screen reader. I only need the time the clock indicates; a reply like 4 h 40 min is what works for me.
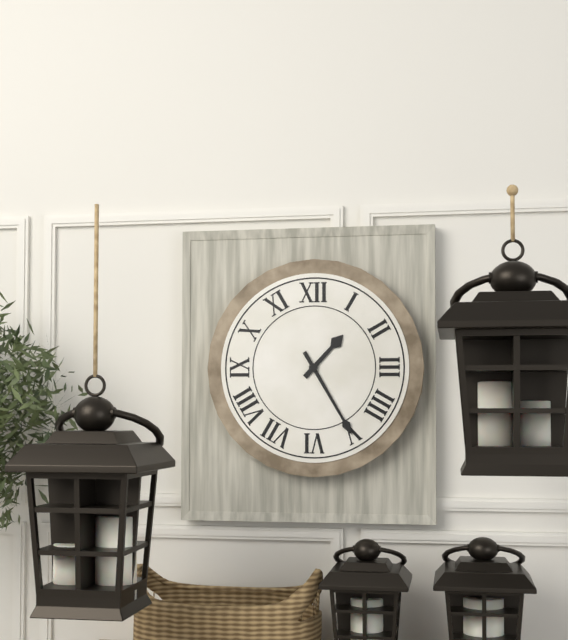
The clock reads 1 h 25 min
